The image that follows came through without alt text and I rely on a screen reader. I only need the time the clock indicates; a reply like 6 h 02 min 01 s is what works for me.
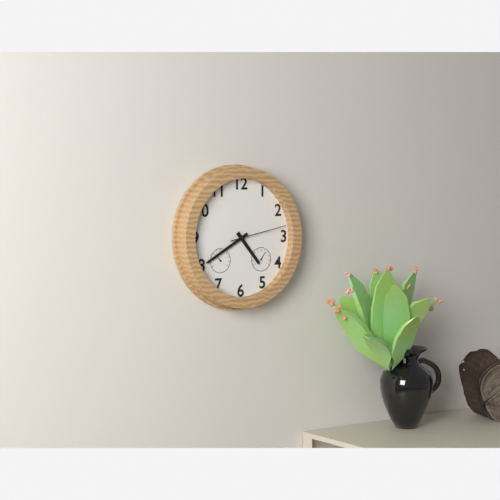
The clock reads 4 h 40 min 13 s
